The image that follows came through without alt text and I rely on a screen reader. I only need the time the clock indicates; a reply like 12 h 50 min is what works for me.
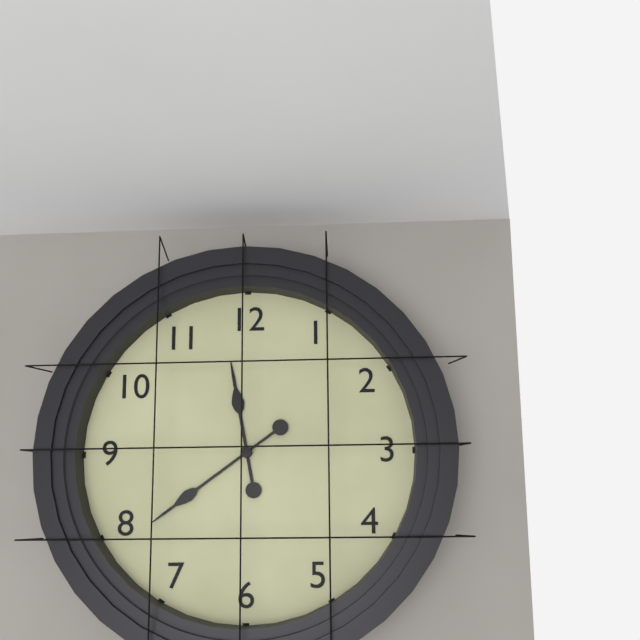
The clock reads 11 h 39 min
